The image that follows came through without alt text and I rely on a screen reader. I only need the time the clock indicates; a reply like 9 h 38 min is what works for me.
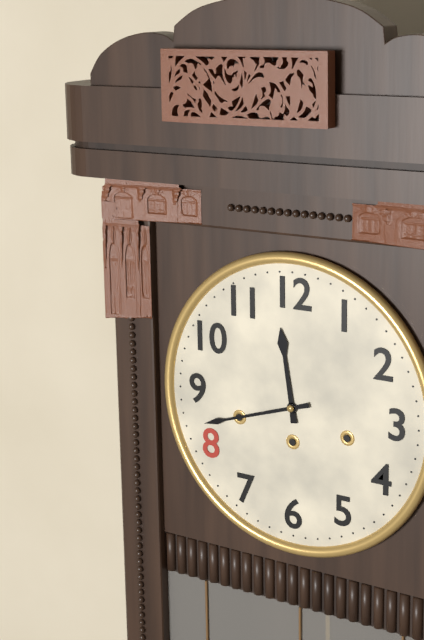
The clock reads 11 h 42 min
